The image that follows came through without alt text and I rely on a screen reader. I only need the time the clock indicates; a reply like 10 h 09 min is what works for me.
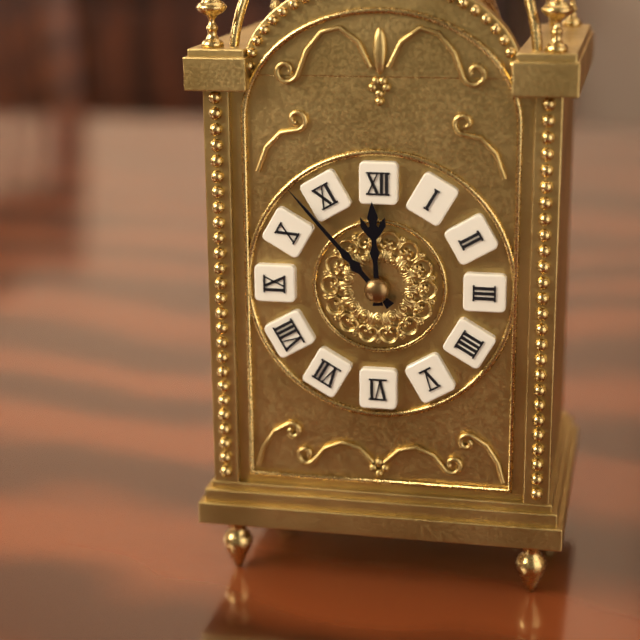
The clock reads 11 h 53 min
